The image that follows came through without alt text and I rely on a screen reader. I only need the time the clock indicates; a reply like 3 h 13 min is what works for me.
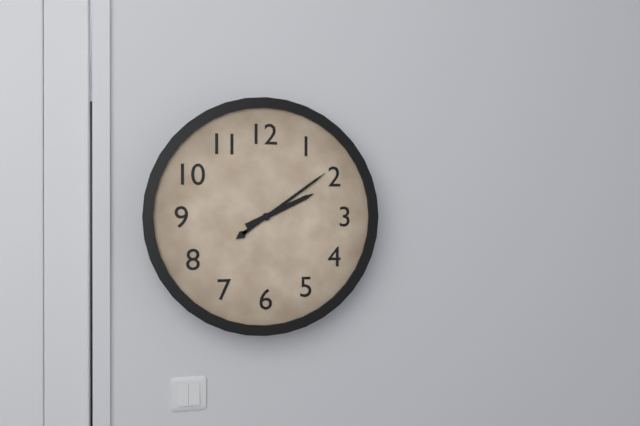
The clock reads 2 h 09 min
